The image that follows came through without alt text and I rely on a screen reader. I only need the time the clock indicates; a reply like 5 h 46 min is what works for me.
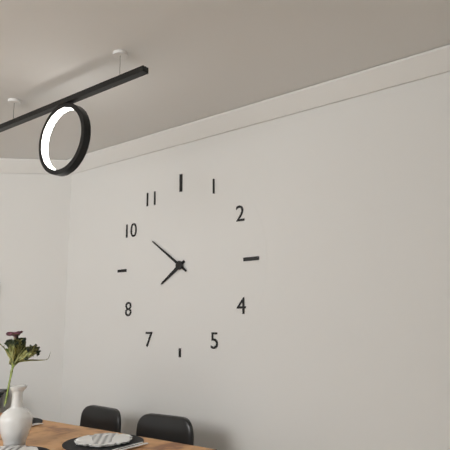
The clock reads 7 h 51 min
